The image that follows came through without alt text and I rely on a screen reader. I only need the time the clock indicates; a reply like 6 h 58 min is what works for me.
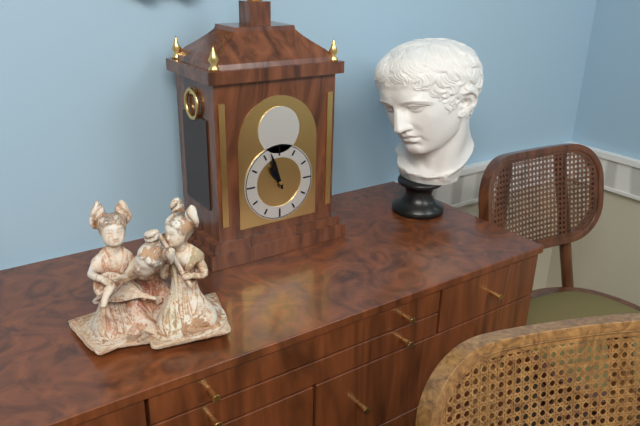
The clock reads 10 h 57 min
